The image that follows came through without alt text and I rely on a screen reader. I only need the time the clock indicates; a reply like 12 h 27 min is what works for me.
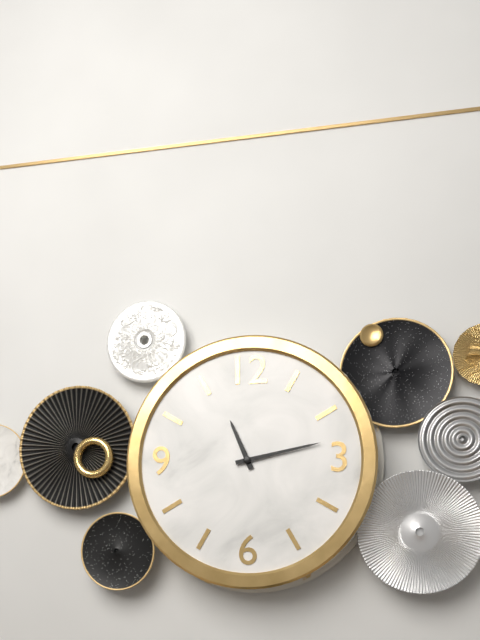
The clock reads 11 h 13 min
